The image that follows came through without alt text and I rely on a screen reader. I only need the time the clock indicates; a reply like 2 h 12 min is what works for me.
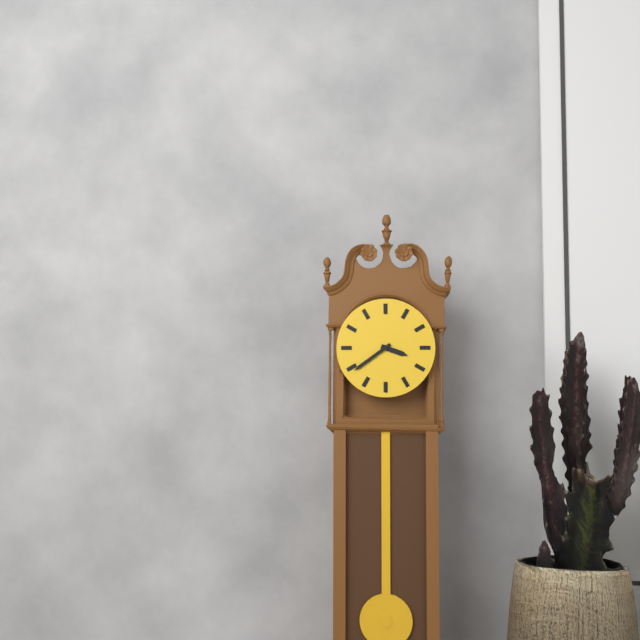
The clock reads 3 h 39 min
